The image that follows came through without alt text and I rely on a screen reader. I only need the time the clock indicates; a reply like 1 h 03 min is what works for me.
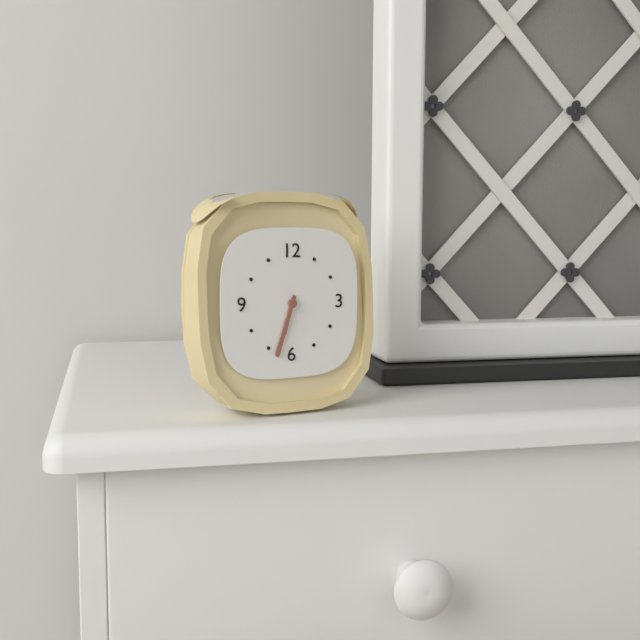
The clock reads 6 h 33 min
